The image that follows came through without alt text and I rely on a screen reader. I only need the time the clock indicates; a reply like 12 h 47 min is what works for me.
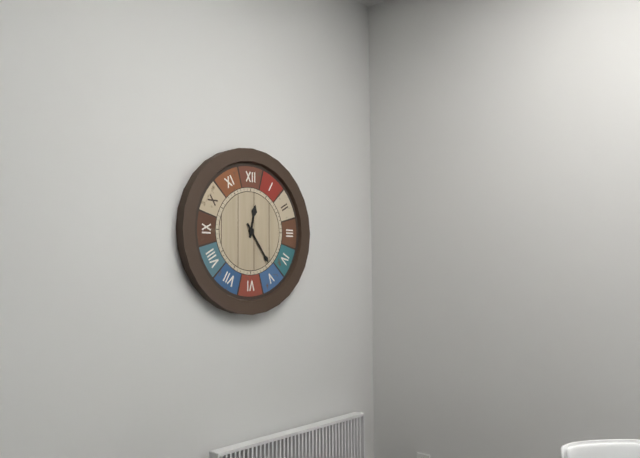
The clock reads 12 h 24 min
